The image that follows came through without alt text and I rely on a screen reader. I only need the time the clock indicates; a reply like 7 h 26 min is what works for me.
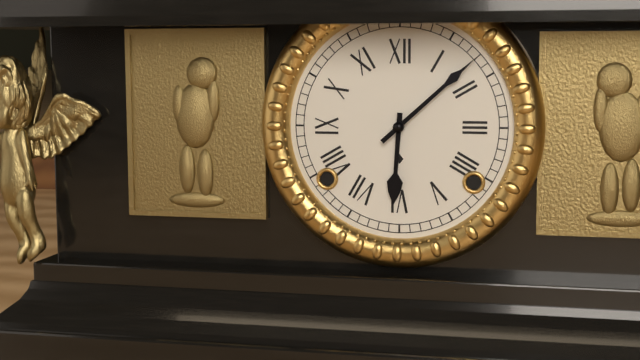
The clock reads 6 h 08 min
